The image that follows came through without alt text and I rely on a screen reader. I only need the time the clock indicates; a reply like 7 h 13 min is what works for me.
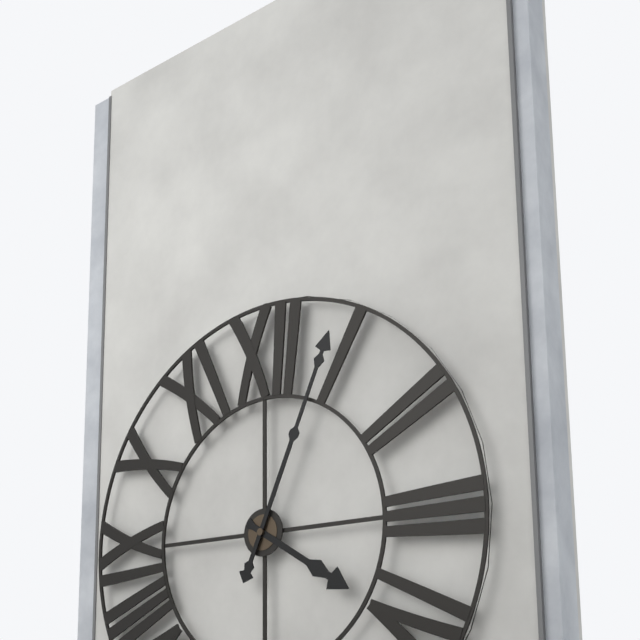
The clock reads 4 h 04 min
